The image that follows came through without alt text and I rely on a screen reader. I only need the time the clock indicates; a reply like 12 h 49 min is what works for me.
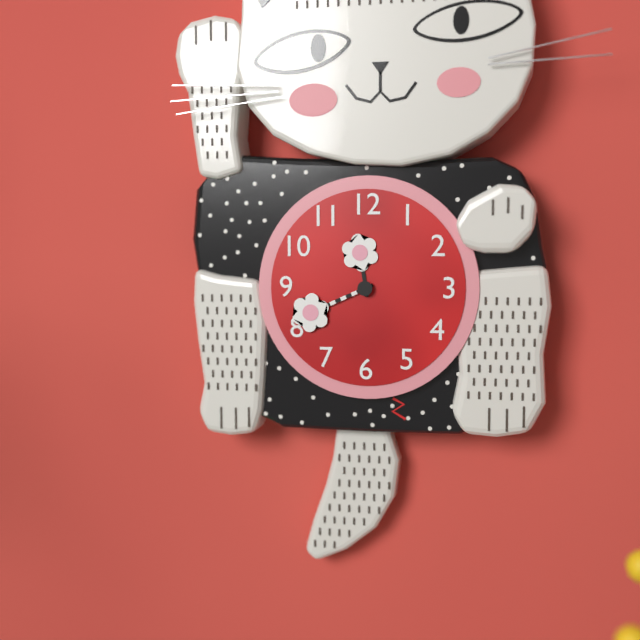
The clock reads 11 h 41 min
